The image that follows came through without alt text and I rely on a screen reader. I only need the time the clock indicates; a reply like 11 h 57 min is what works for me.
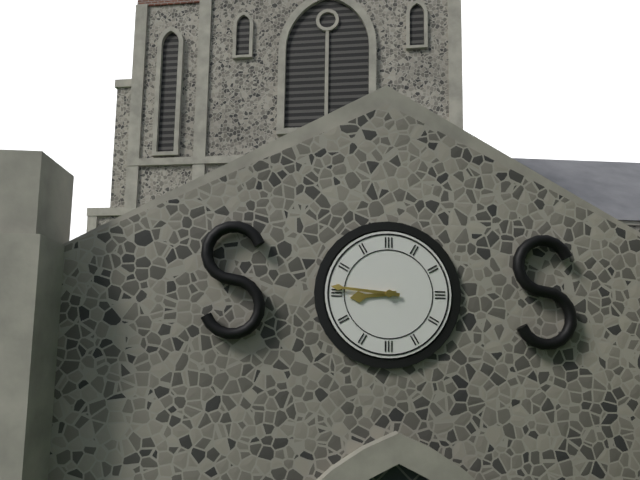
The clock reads 8 h 46 min
